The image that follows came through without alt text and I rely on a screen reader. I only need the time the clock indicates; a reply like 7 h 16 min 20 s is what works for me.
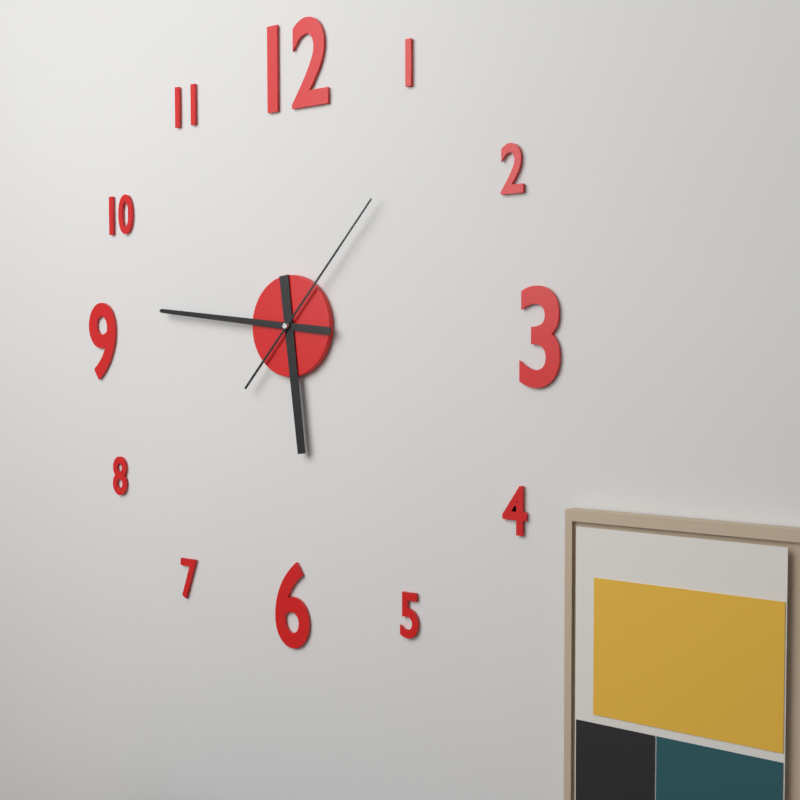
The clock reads 5 h 46 min 07 s
